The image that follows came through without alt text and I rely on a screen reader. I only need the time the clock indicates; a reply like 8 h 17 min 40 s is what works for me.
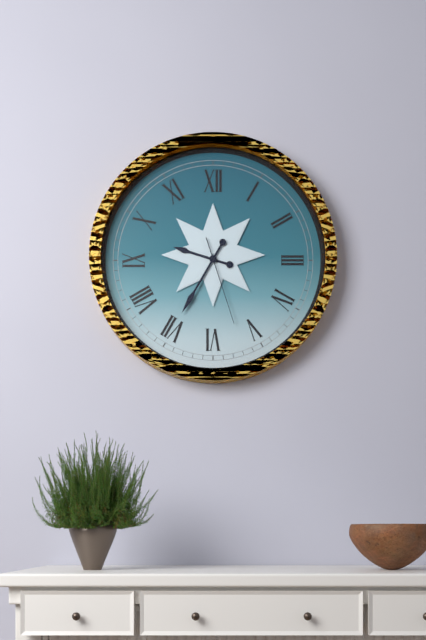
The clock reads 9 h 35 min 27 s
